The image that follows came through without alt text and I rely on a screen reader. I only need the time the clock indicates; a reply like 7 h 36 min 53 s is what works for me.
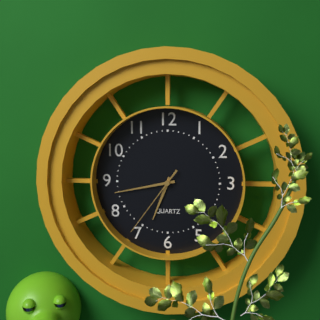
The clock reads 6 h 43 min 36 s
